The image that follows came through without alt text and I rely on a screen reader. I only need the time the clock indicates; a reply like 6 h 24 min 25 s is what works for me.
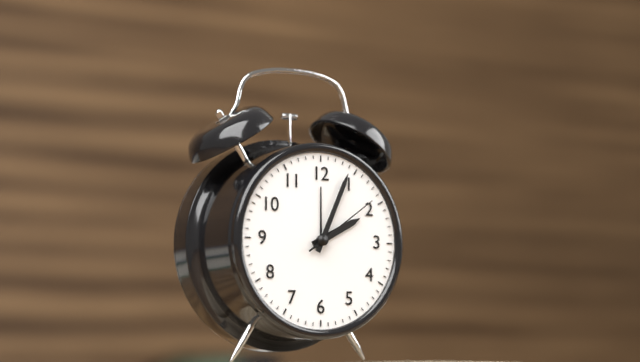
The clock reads 2 h 04 min 09 s
